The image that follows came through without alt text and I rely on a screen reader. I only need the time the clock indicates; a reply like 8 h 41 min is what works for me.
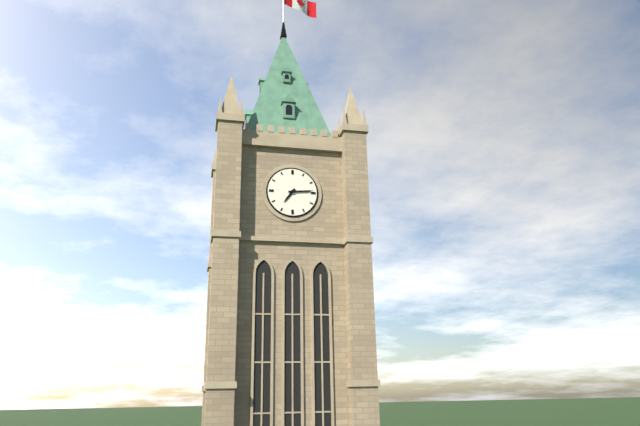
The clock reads 7 h 14 min
